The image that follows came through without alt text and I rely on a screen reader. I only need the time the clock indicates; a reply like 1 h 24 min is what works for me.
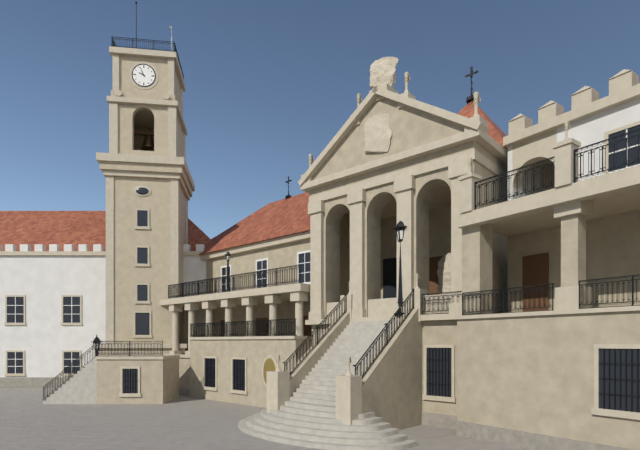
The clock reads 9 h 56 min
